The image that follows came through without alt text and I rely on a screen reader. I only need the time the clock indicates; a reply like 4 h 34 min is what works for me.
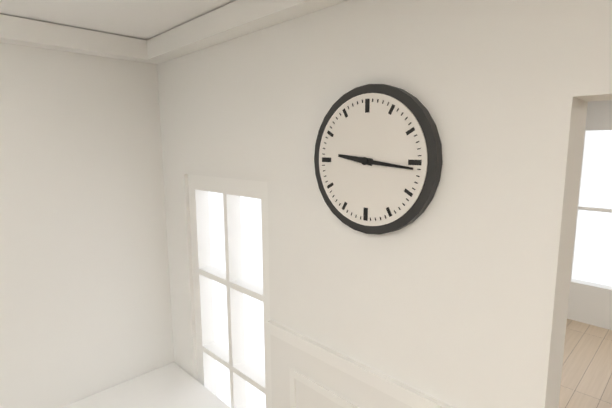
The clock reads 9 h 16 min
